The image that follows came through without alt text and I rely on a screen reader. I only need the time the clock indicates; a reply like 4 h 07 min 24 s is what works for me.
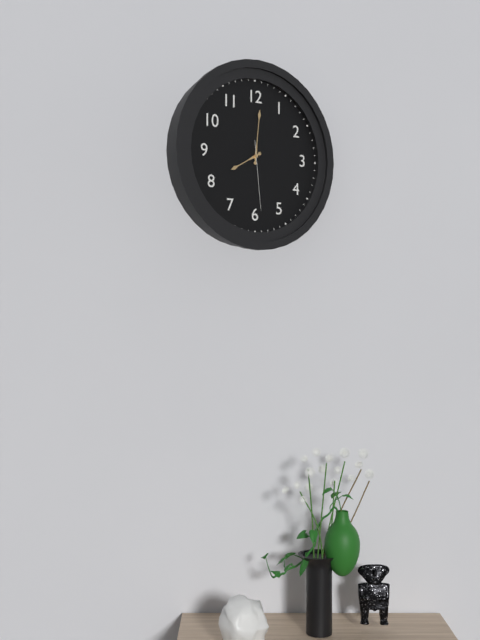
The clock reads 8 h 01 min 29 s
